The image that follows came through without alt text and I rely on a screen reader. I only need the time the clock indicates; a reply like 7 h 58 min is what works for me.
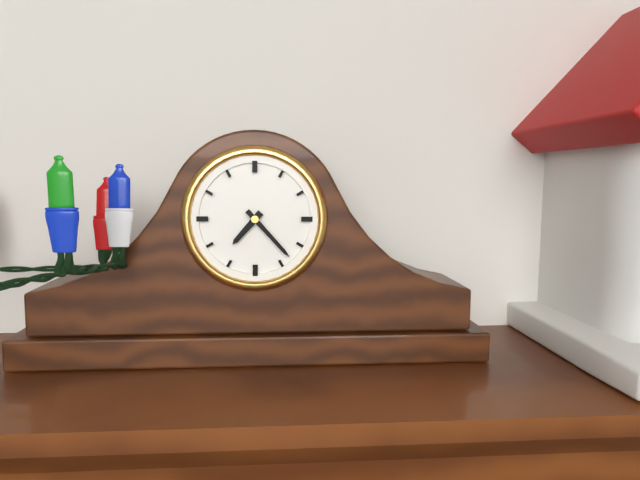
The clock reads 7 h 23 min
